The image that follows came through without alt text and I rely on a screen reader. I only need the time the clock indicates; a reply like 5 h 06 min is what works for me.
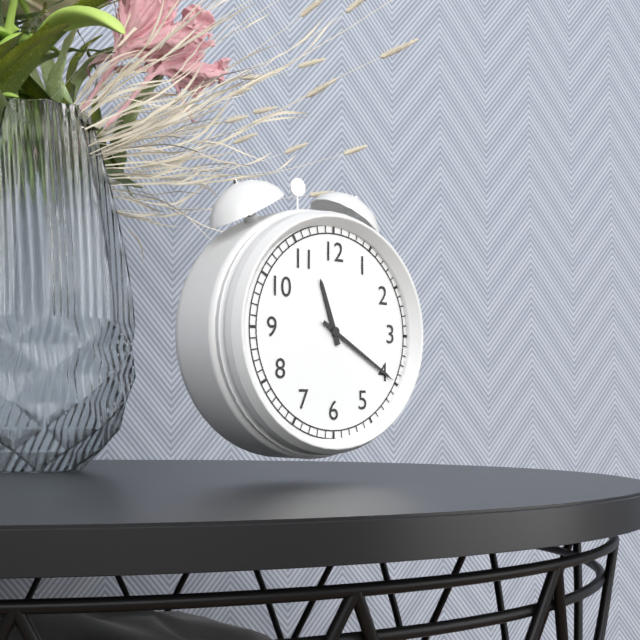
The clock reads 11 h 20 min
